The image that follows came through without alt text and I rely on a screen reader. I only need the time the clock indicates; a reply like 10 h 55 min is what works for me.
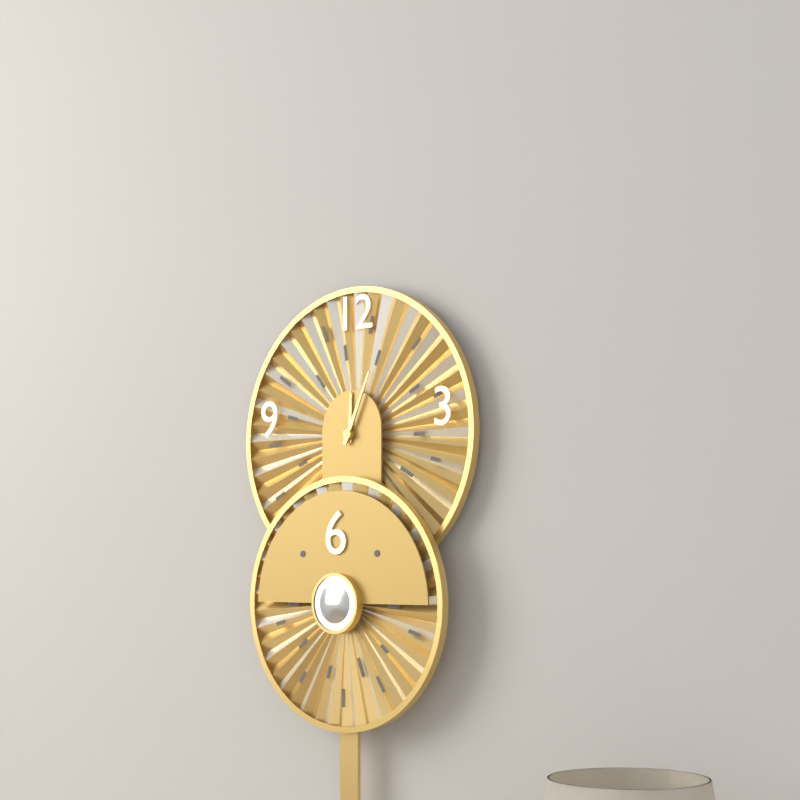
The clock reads 12 h 04 min
